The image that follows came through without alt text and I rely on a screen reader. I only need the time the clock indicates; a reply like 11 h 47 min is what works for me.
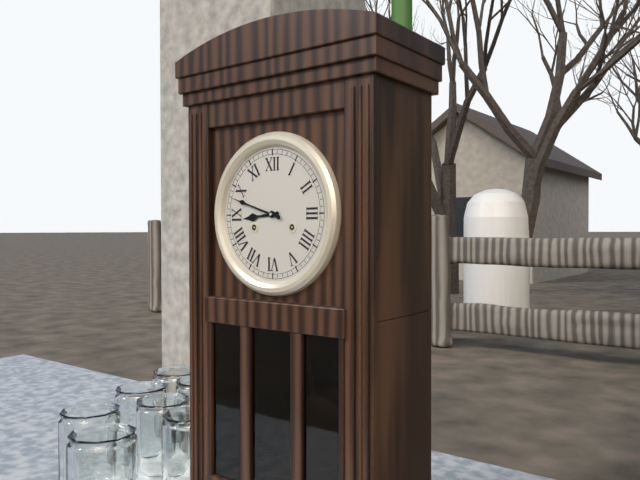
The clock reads 8 h 48 min
